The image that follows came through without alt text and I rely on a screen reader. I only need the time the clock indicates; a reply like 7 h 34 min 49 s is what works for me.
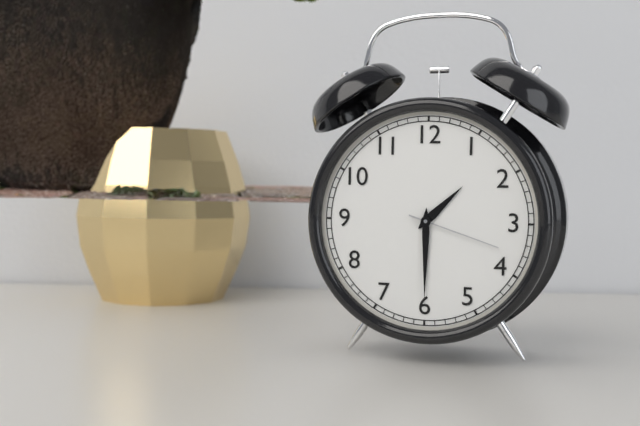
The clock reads 1 h 30 min 18 s
